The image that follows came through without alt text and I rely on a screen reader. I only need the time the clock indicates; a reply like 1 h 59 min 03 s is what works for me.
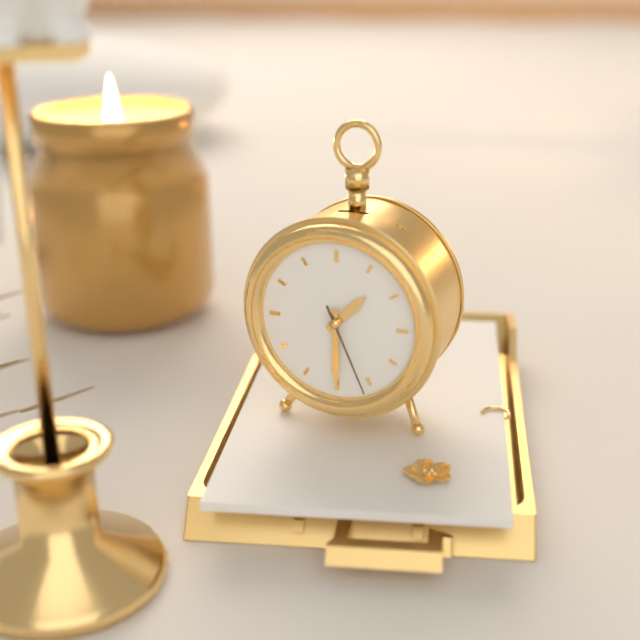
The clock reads 1 h 30 min 26 s
